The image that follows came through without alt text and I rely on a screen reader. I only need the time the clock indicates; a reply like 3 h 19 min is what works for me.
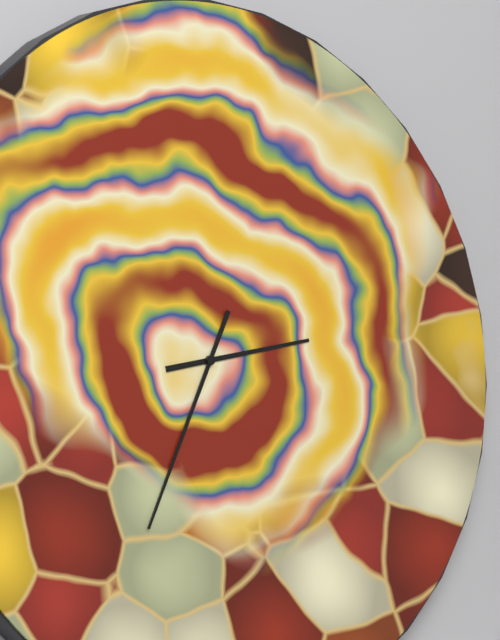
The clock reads 2 h 34 min
